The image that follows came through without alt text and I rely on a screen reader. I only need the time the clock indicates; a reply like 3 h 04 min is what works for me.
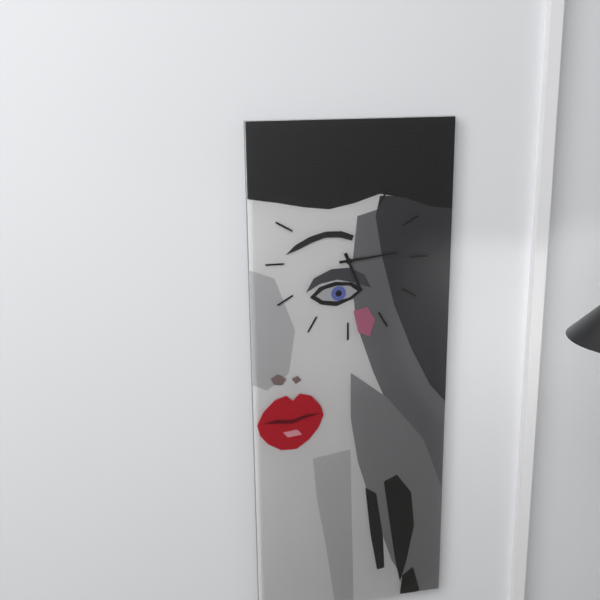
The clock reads 5 h 14 min
